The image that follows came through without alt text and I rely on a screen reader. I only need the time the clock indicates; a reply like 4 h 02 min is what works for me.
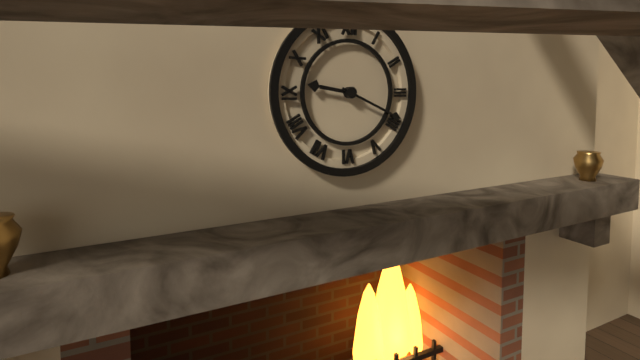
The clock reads 9 h 19 min
